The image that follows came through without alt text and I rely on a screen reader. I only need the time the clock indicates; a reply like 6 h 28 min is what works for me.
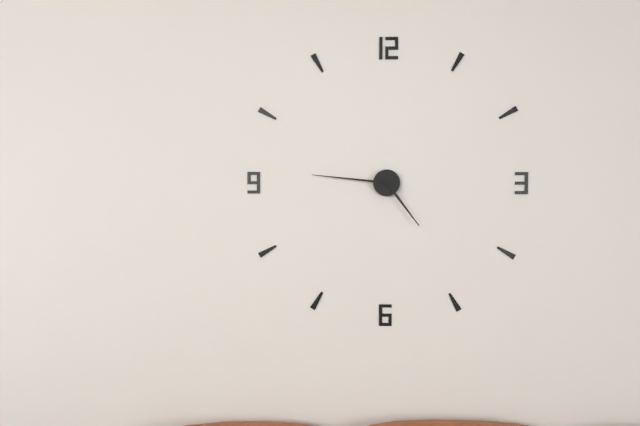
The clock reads 4 h 46 min
